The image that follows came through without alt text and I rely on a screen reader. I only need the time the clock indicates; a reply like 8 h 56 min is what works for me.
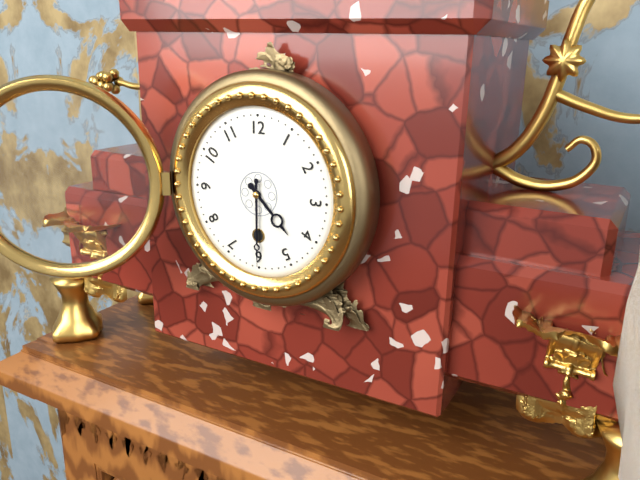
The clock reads 4 h 30 min
